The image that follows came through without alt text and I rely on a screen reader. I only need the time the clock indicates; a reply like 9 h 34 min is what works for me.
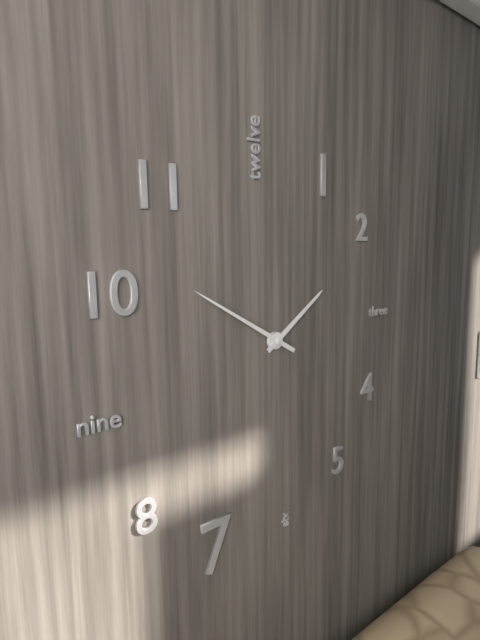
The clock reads 1 h 50 min
